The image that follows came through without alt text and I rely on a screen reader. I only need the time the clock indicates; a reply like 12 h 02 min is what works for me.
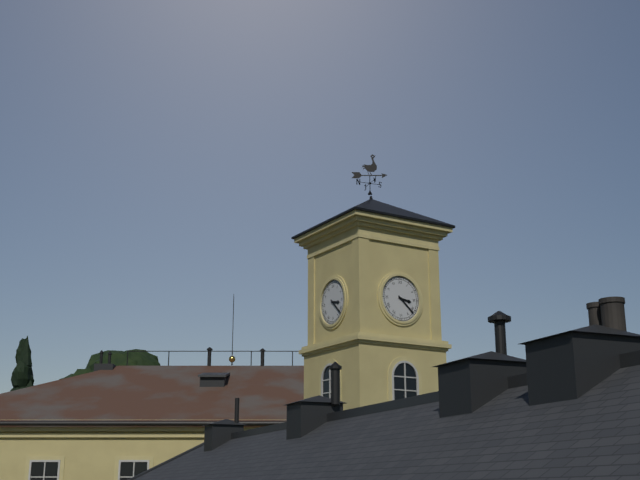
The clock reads 3 h 22 min
